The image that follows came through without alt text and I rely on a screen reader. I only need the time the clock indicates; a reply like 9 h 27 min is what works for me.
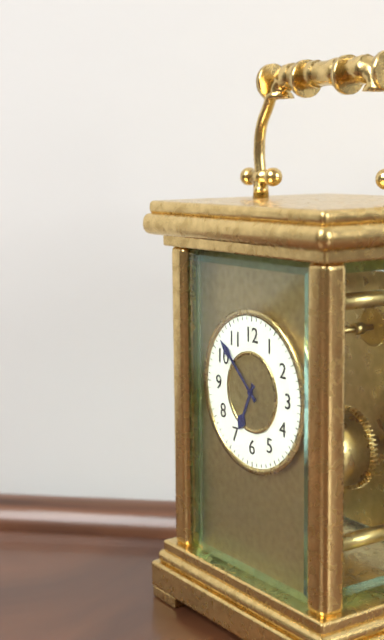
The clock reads 6 h 52 min
